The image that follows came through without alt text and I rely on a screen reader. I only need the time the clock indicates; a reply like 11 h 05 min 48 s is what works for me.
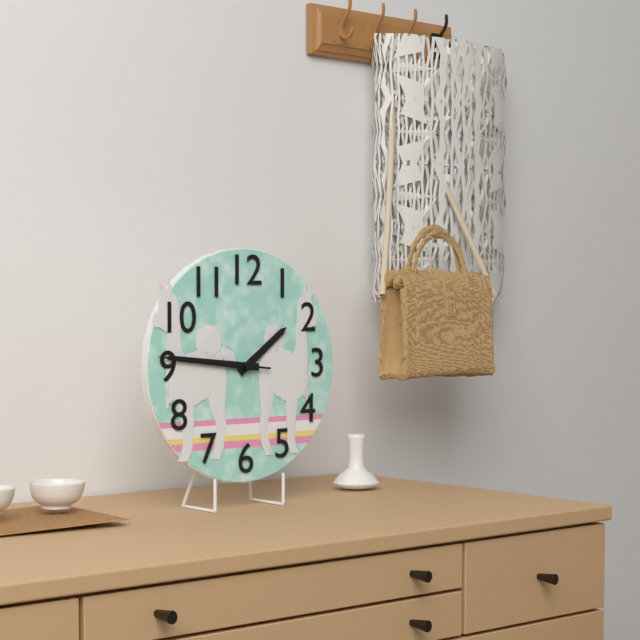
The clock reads 1 h 46 min 46 s
